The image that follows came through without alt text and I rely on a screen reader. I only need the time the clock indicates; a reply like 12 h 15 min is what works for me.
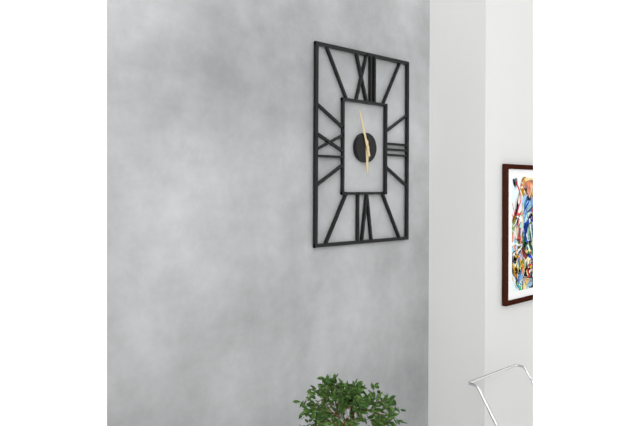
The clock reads 5 h 57 min
